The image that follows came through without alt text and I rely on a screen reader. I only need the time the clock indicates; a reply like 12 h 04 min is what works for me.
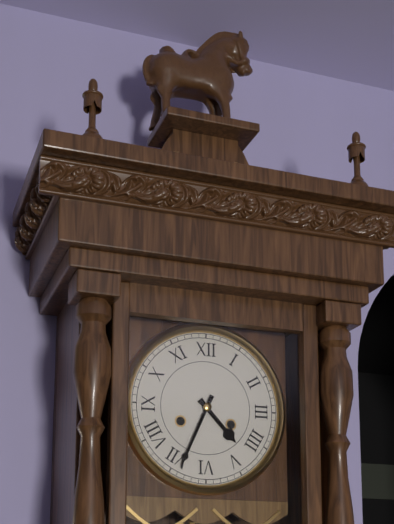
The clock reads 4 h 34 min
